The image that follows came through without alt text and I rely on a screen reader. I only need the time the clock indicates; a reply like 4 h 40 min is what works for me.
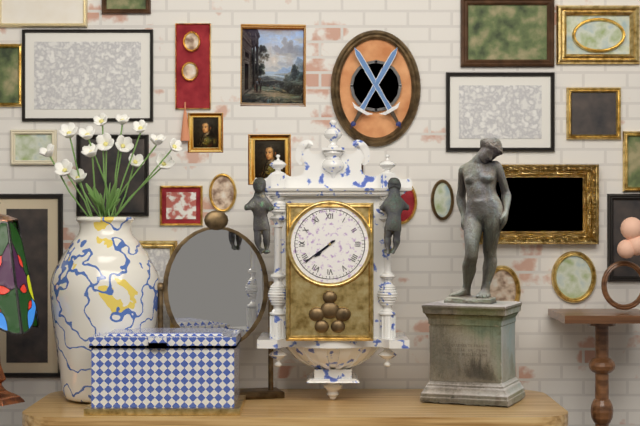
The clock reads 7 h 39 min
